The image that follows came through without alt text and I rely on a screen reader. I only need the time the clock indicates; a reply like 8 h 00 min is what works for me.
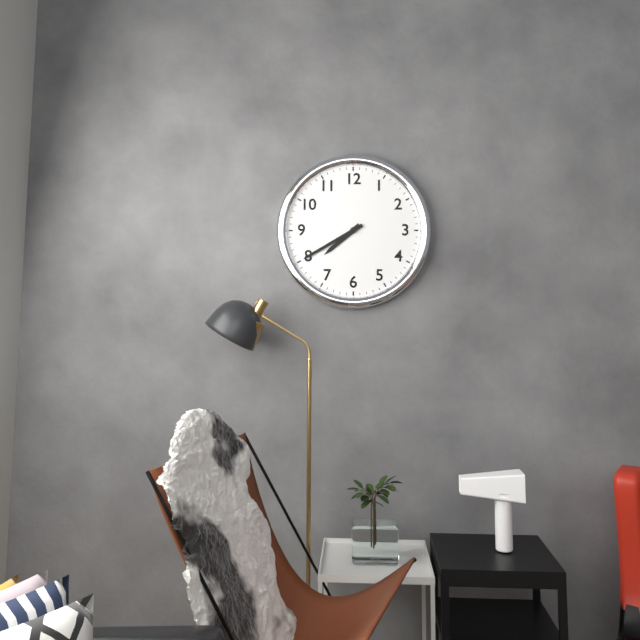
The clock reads 7 h 40 min
